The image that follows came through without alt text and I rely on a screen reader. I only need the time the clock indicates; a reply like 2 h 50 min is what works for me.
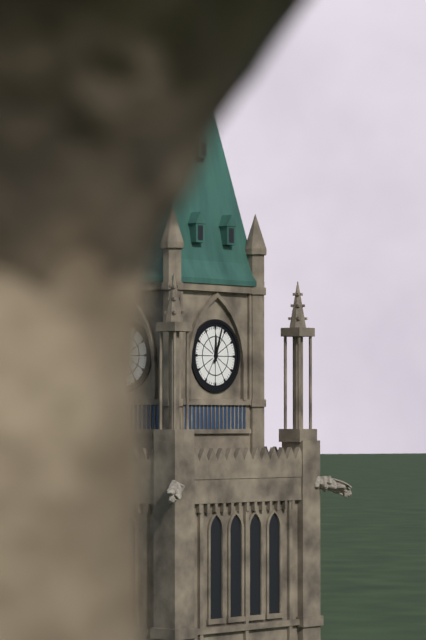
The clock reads 12 h 03 min
